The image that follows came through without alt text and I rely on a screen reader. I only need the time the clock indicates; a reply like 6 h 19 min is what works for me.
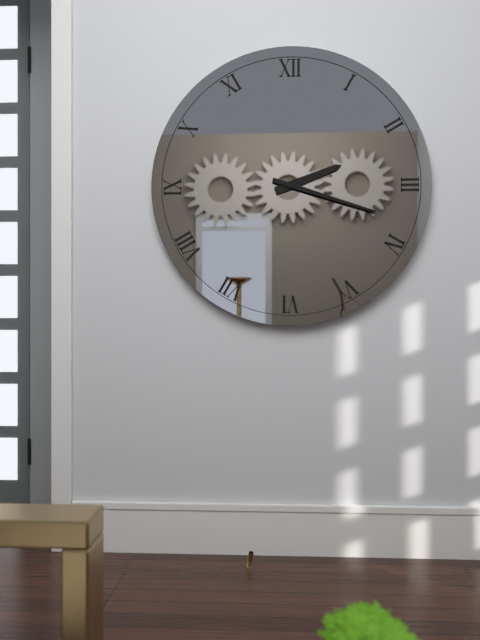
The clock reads 2 h 18 min
